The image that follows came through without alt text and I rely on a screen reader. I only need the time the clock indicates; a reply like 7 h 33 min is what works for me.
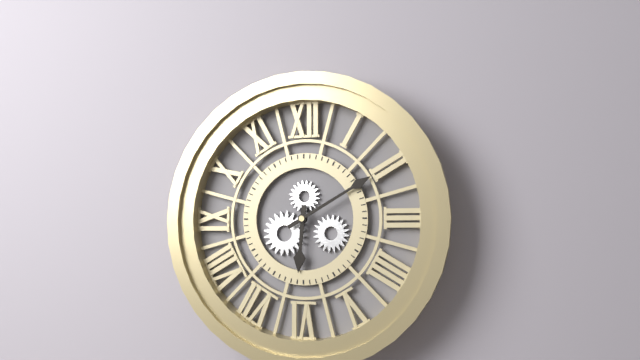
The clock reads 6 h 10 min
